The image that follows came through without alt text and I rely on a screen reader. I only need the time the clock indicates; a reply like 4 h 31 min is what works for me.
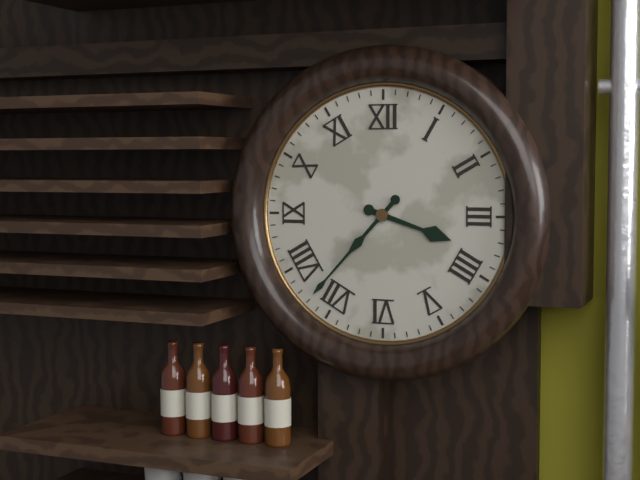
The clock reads 3 h 37 min
